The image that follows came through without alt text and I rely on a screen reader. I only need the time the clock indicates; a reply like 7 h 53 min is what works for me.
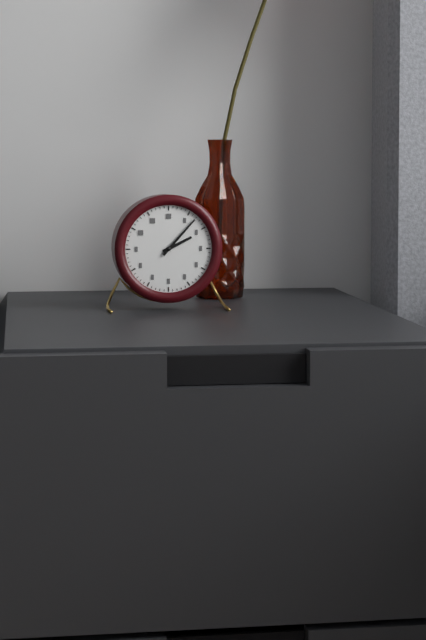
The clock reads 2 h 07 min
